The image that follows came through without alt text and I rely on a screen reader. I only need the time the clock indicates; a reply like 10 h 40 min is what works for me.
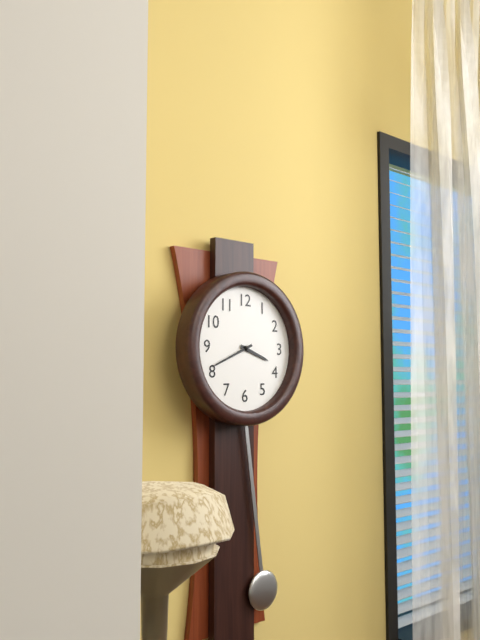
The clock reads 3 h 41 min
